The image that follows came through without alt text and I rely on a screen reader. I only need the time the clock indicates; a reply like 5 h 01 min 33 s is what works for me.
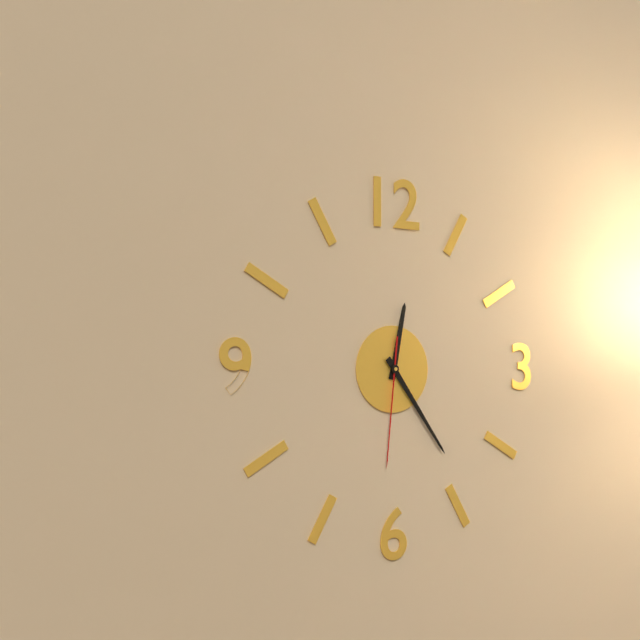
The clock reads 12 h 24 min 31 s
